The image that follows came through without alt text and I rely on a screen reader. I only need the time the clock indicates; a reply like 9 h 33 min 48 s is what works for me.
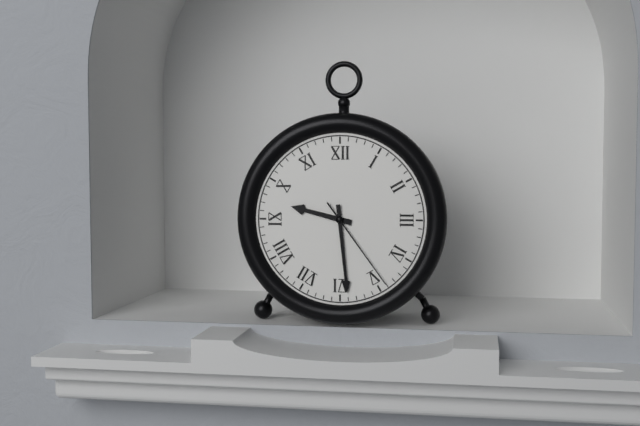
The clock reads 9 h 29 min 24 s
